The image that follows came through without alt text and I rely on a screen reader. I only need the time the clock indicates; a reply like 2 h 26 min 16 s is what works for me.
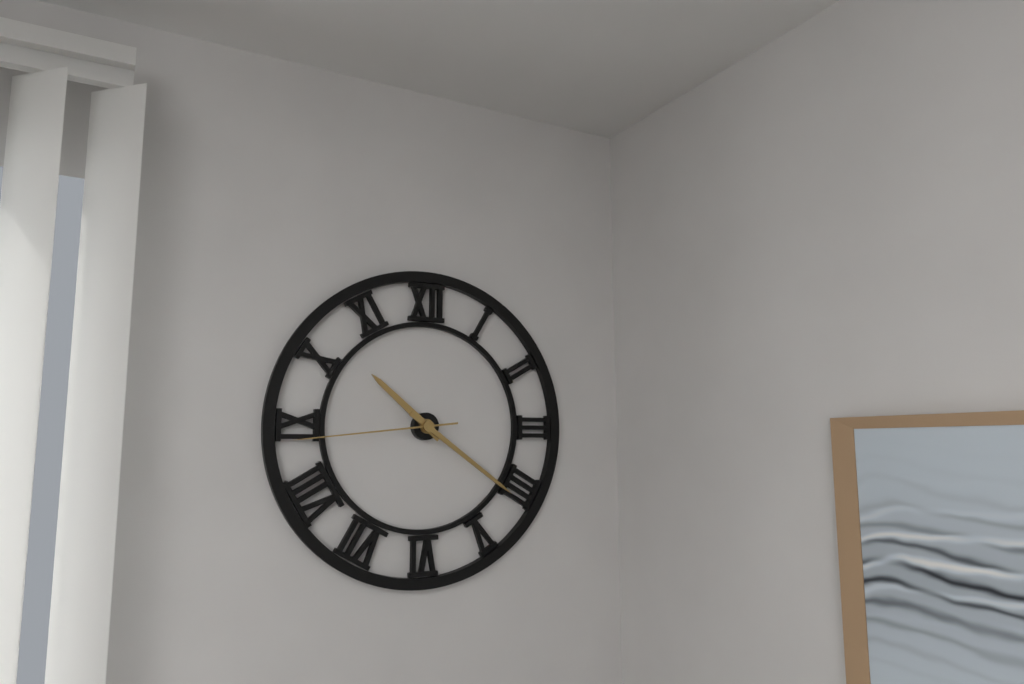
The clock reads 10 h 21 min 44 s
